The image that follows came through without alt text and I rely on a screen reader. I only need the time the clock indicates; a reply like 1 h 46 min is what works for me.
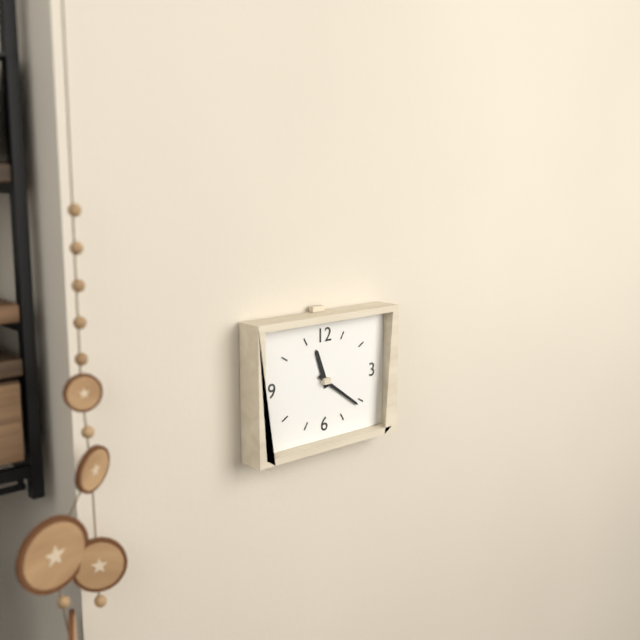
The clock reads 11 h 21 min
